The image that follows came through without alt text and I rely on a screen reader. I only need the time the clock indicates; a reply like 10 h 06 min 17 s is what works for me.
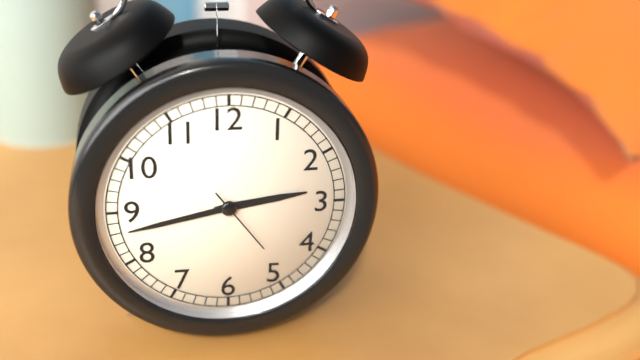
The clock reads 2 h 43 min 24 s
